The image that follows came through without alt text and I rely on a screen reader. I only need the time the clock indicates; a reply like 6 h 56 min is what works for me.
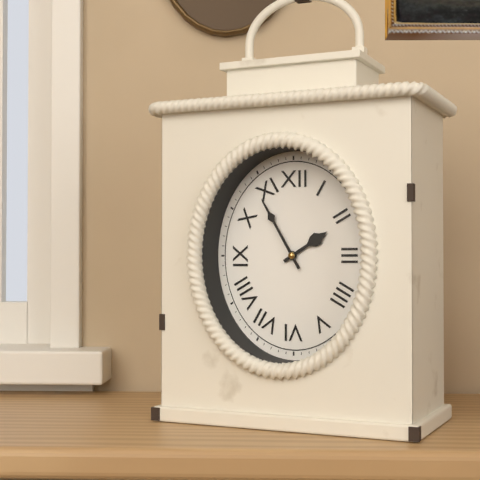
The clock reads 1 h 55 min
